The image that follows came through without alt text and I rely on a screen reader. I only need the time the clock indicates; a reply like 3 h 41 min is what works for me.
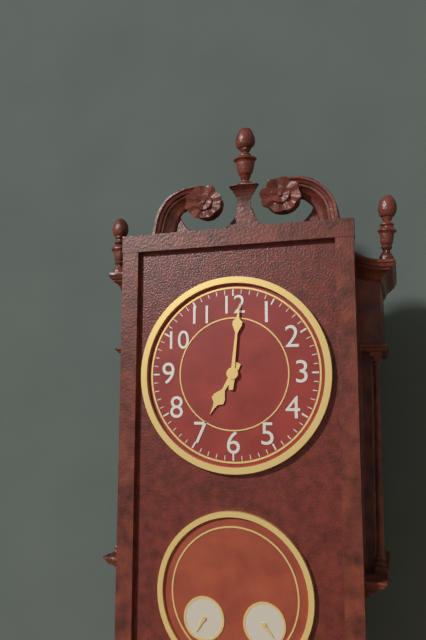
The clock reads 7 h 01 min
